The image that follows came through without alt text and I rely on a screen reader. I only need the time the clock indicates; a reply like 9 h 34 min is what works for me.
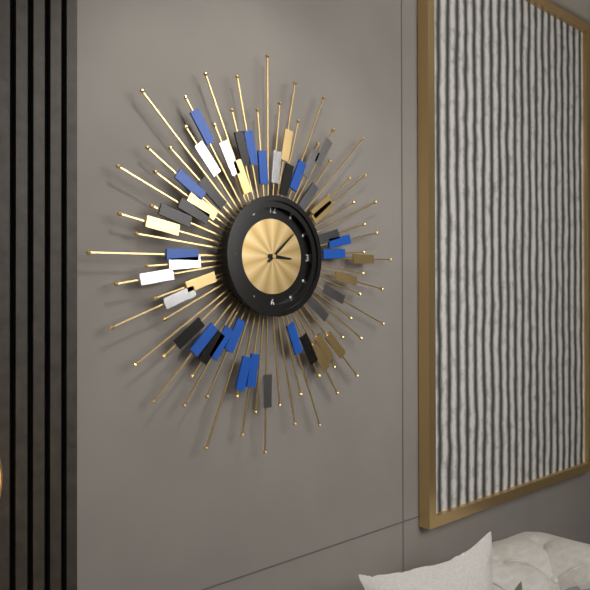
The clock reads 3 h 08 min
